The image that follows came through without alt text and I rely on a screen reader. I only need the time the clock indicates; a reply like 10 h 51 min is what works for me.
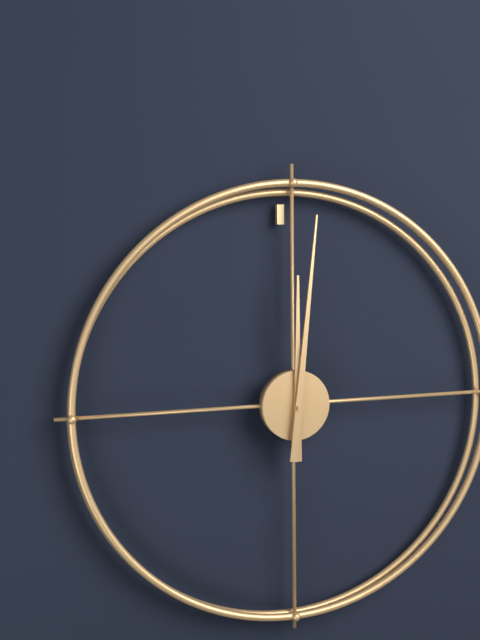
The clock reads 12 h 01 min
